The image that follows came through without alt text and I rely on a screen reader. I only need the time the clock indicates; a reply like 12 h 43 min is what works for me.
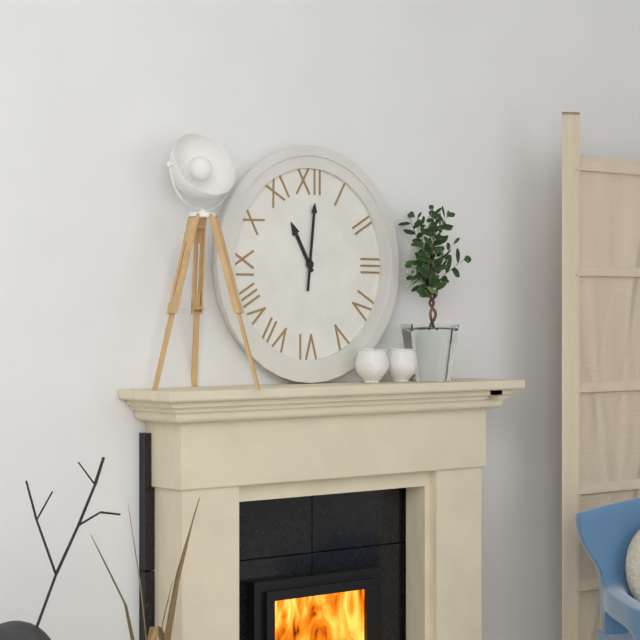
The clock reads 11 h 01 min
